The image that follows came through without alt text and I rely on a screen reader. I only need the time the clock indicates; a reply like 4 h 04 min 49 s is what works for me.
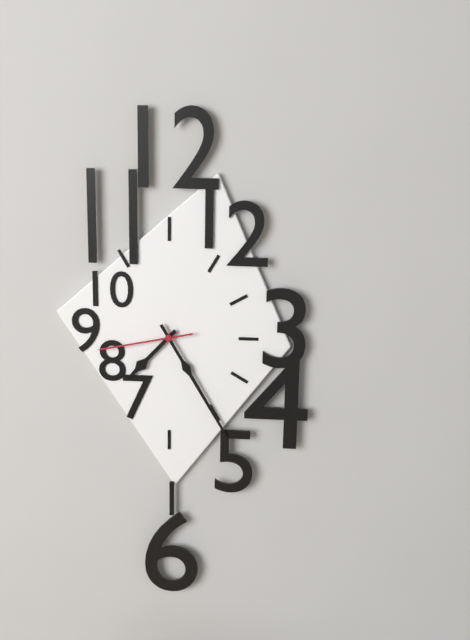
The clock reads 7 h 25 min 43 s
